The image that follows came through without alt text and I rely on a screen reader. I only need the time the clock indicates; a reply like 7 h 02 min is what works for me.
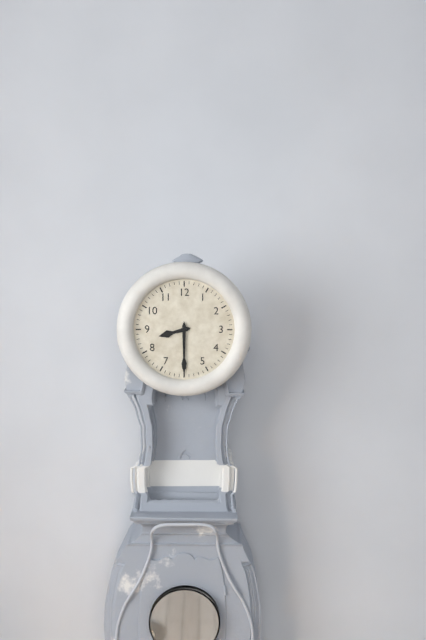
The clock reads 8 h 30 min
